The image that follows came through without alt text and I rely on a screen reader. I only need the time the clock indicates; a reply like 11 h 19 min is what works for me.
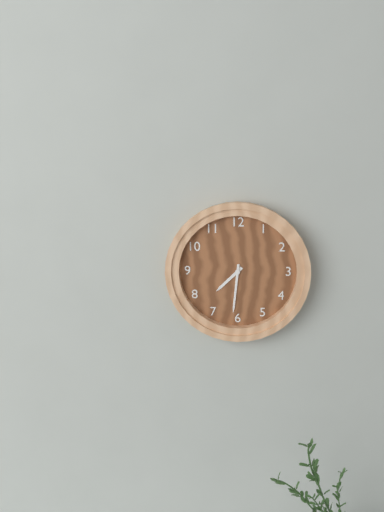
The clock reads 7 h 31 min
